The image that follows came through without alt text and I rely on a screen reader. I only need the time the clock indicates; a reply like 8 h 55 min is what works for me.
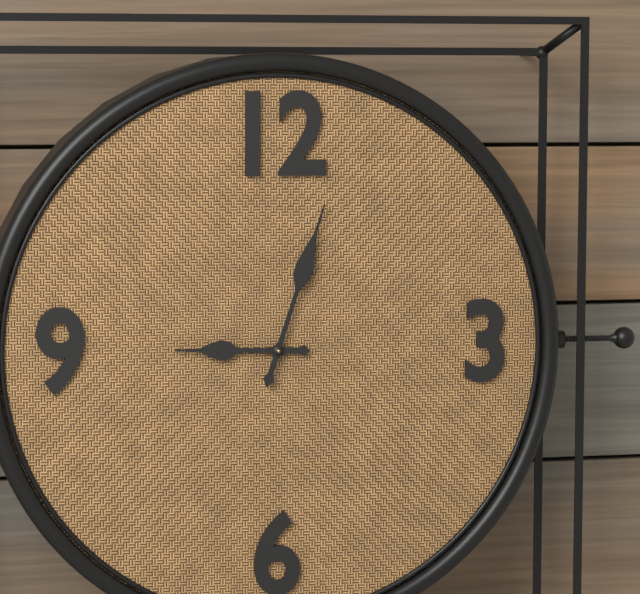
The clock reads 9 h 03 min
